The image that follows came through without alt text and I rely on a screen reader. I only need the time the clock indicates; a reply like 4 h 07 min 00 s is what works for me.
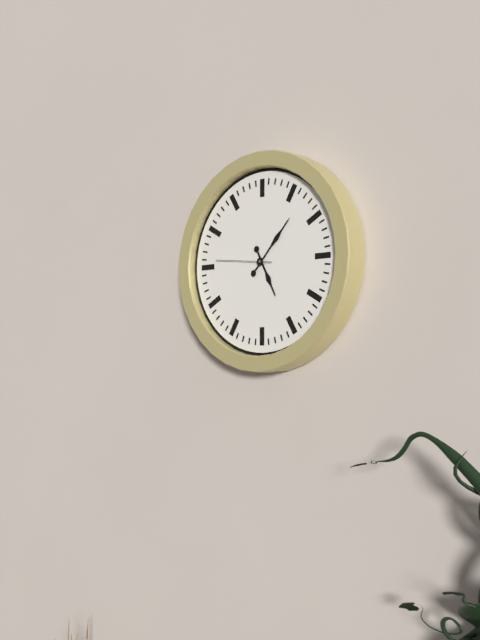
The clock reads 5 h 07 min 46 s
